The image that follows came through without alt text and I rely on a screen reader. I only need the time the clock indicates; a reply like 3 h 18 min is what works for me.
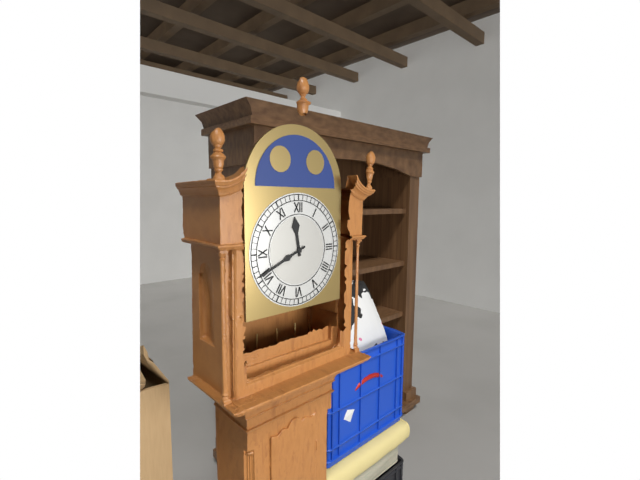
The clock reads 11 h 41 min
